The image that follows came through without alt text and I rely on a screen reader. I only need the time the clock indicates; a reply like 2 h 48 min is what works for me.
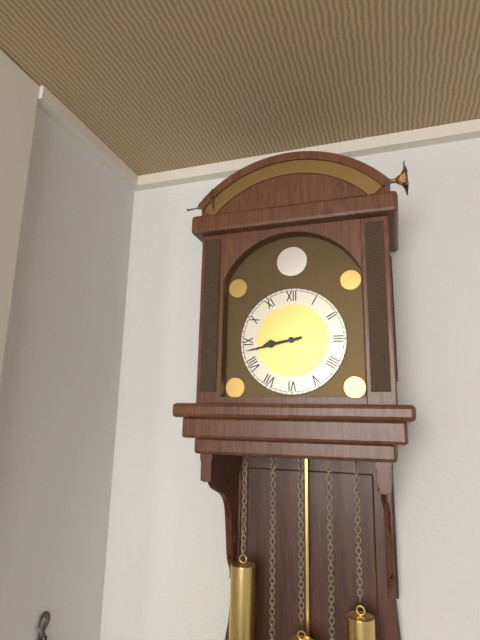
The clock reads 8 h 43 min
